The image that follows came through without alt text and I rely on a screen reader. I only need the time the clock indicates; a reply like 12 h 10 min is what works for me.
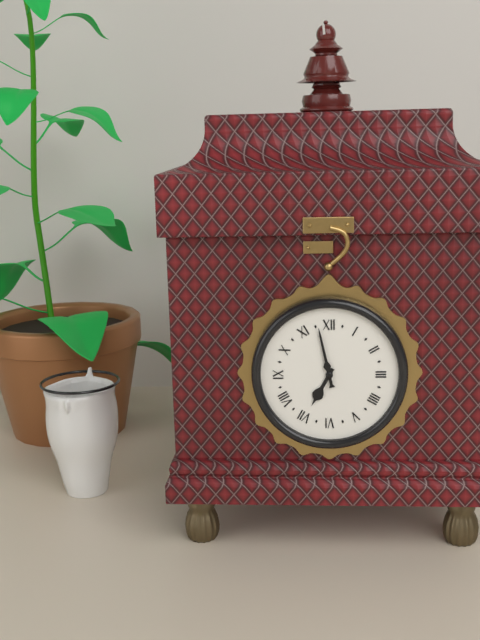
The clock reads 6 h 58 min
